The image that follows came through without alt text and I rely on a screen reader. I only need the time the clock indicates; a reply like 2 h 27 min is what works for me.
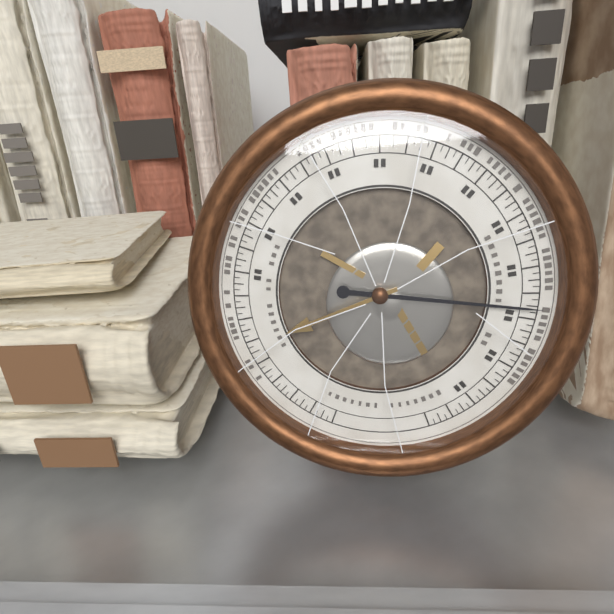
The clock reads 8 h 16 min
